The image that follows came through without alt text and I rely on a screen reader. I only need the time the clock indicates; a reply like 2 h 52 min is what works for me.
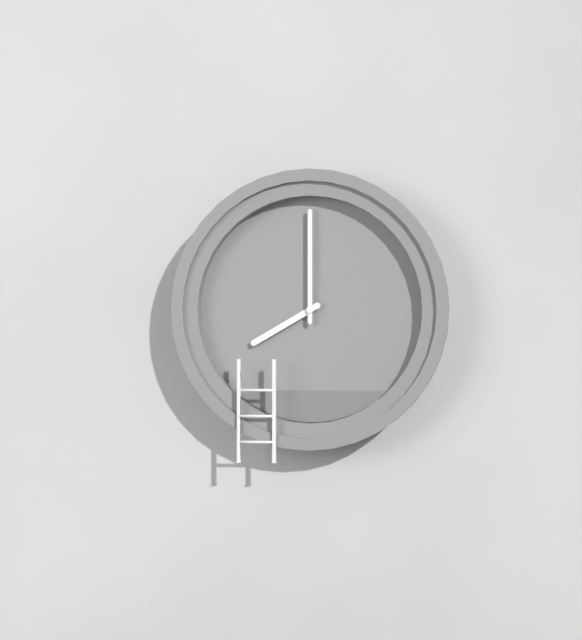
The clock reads 8 h 00 min
